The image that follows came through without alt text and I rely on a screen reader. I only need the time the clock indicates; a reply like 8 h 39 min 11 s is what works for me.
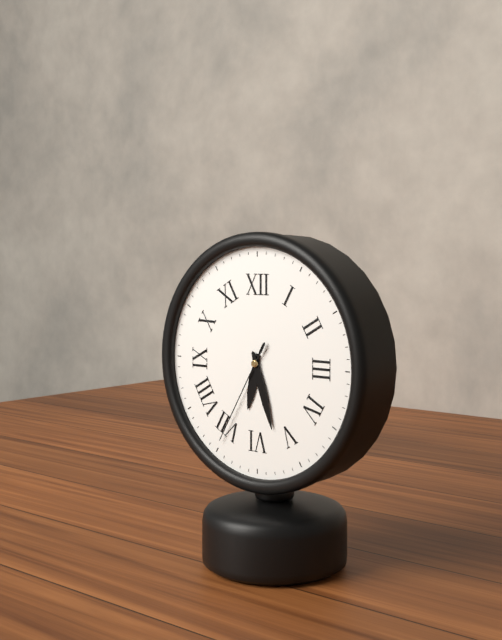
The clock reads 6 h 27 min 35 s
